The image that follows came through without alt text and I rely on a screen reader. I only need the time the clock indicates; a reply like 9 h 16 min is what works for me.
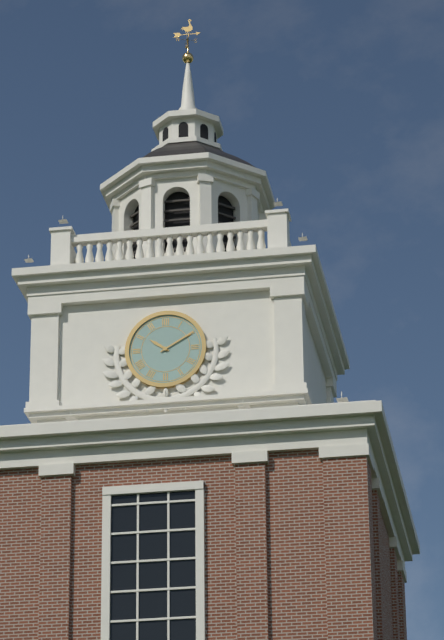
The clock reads 10 h 10 min
